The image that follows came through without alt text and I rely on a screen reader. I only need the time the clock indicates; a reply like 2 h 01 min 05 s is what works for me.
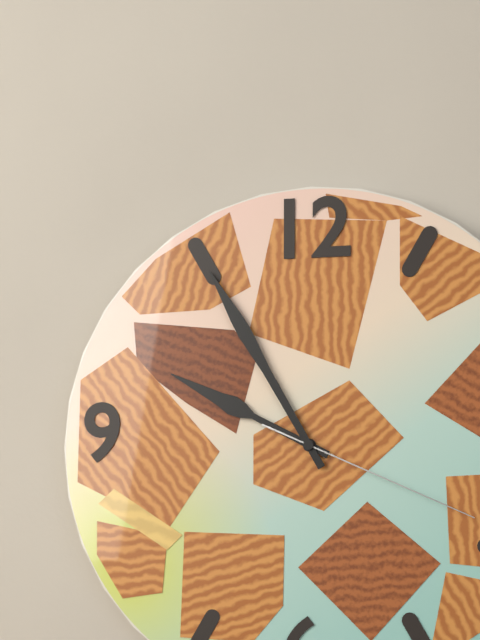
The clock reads 9 h 55 min 19 s
